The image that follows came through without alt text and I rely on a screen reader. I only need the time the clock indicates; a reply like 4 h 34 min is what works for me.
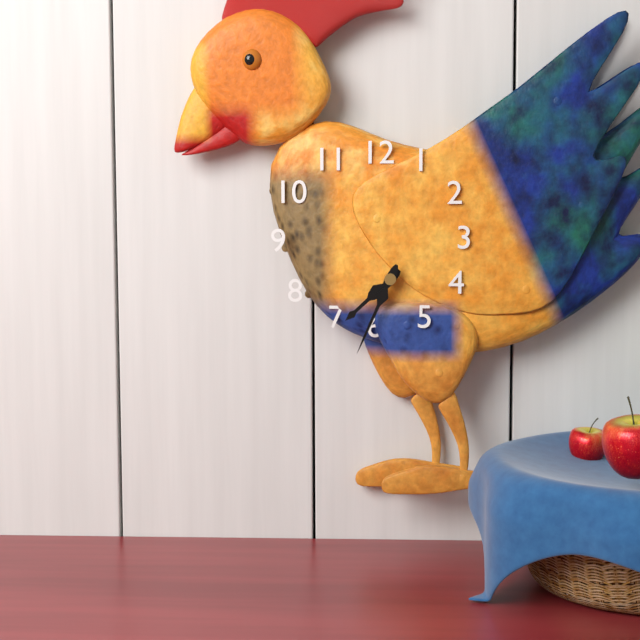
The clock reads 7 h 34 min
